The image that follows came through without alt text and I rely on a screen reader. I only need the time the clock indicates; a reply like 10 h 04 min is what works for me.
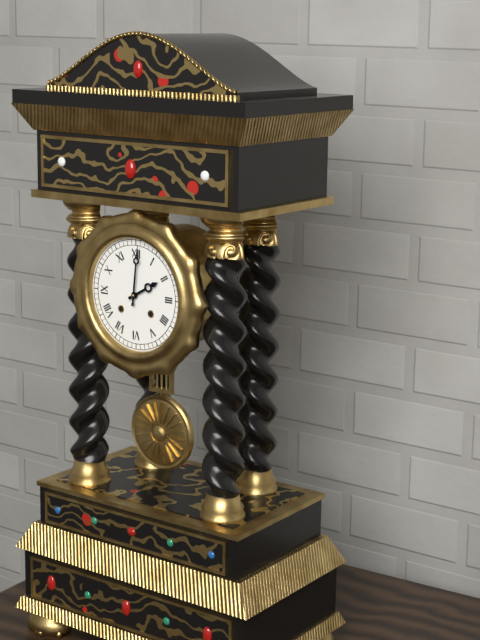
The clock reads 2 h 01 min
